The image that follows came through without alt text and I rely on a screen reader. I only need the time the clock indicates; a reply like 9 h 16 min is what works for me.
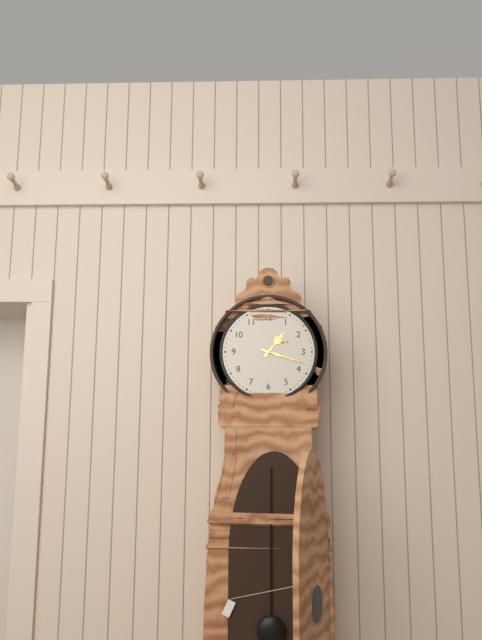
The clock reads 1 h 18 min
